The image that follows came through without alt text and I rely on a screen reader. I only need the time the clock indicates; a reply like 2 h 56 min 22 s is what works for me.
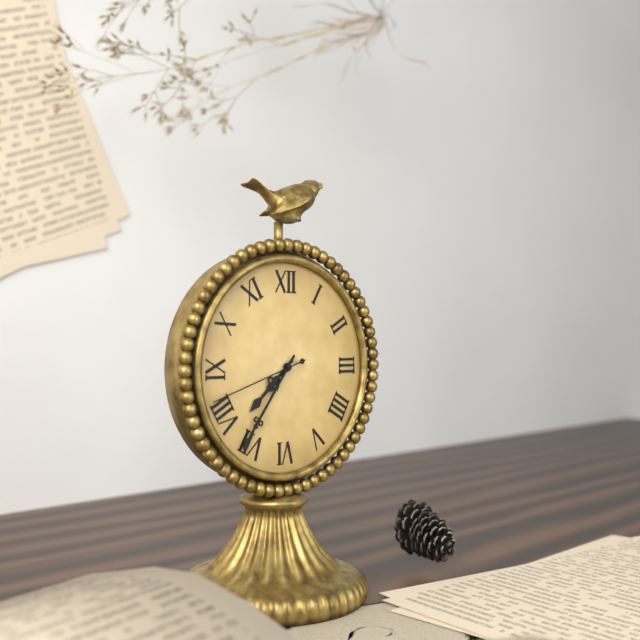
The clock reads 7 h 36 min 42 s
